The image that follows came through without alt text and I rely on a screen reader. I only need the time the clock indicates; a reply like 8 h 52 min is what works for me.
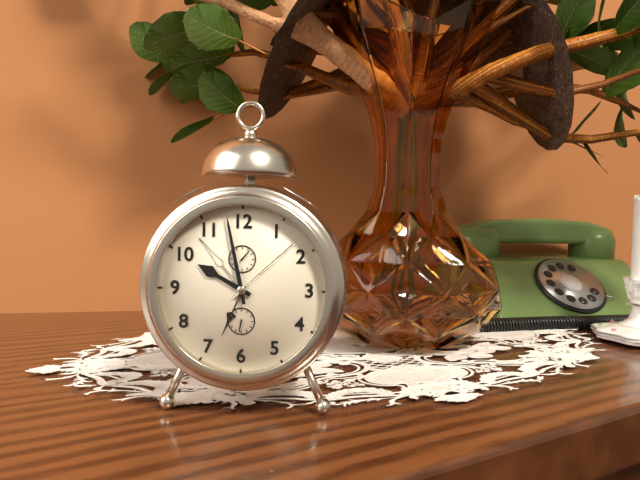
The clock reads 9 h 58 min
